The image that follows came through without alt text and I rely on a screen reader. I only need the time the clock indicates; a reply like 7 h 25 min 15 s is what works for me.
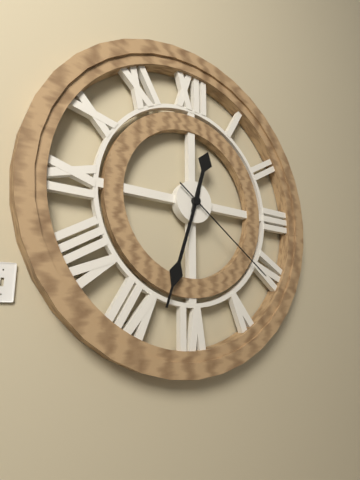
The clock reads 12 h 33 min 21 s
